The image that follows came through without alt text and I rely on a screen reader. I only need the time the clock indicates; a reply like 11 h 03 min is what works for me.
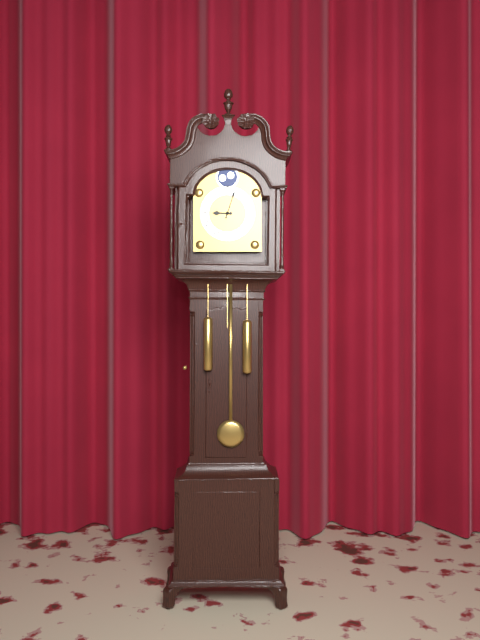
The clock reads 9 h 03 min
